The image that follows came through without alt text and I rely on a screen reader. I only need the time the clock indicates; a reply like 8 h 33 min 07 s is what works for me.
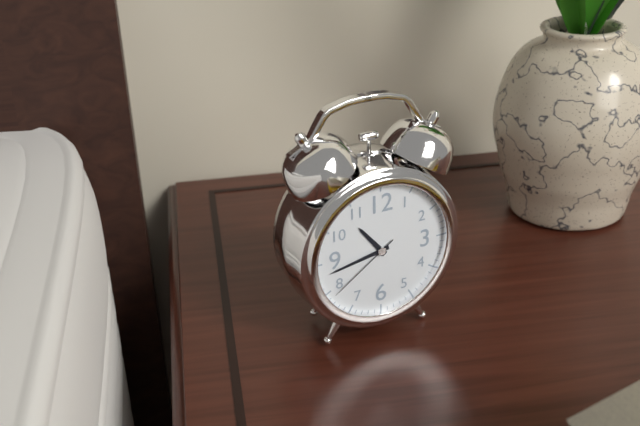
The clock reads 10 h 43 min 39 s
